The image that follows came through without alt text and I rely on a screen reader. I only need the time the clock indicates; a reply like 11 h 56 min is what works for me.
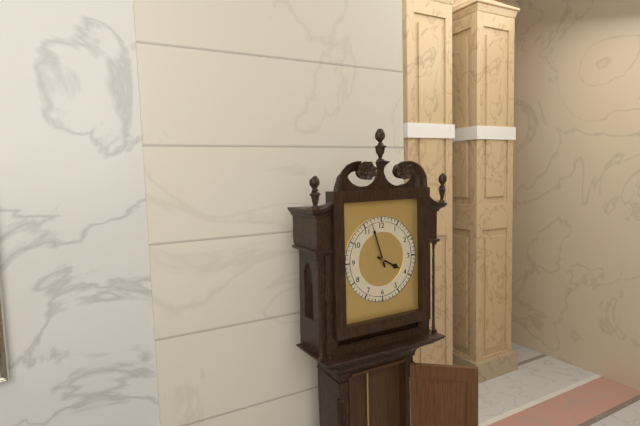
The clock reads 3 h 57 min
